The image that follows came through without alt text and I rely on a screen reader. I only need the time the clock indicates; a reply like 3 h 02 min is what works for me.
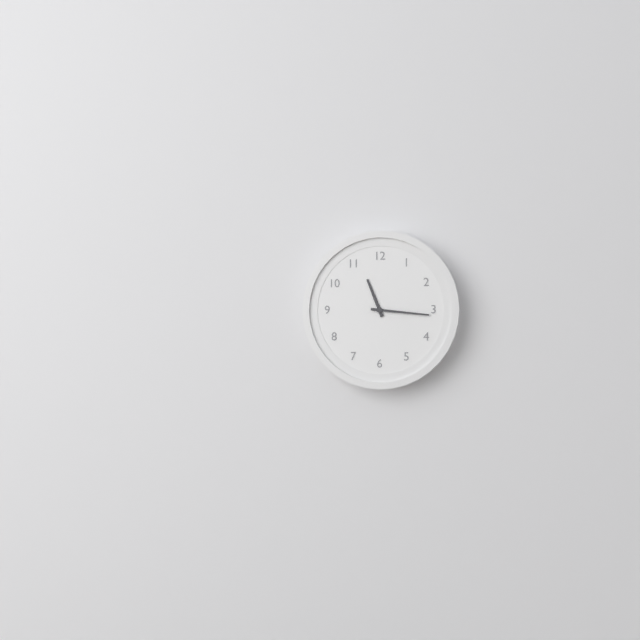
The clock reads 11 h 16 min
